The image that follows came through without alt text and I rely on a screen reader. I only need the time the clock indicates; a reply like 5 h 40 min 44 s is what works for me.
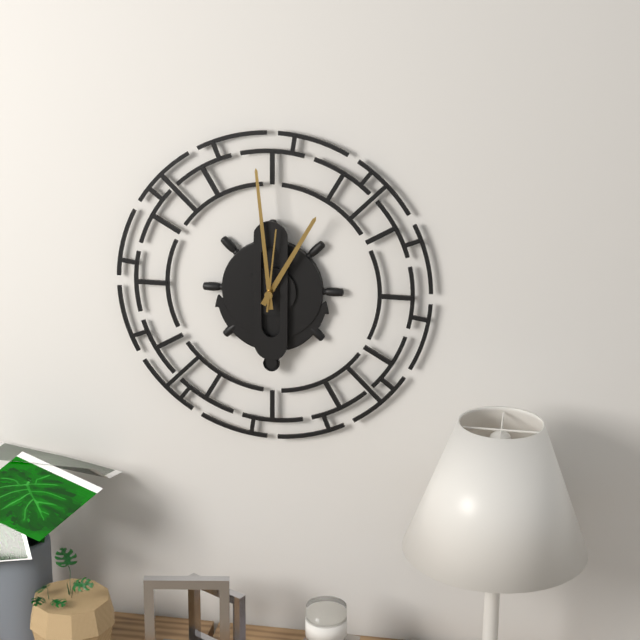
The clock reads 12 h 59 min 01 s
